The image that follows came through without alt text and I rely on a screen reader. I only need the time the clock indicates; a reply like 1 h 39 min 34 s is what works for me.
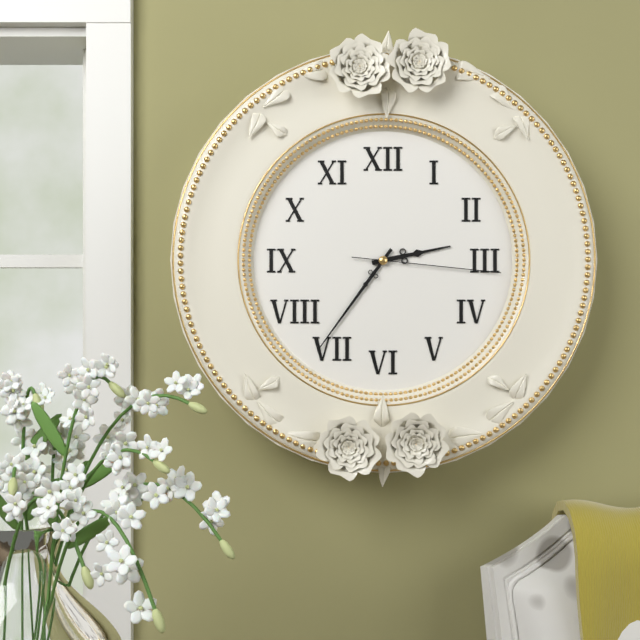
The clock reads 2 h 36 min 16 s
